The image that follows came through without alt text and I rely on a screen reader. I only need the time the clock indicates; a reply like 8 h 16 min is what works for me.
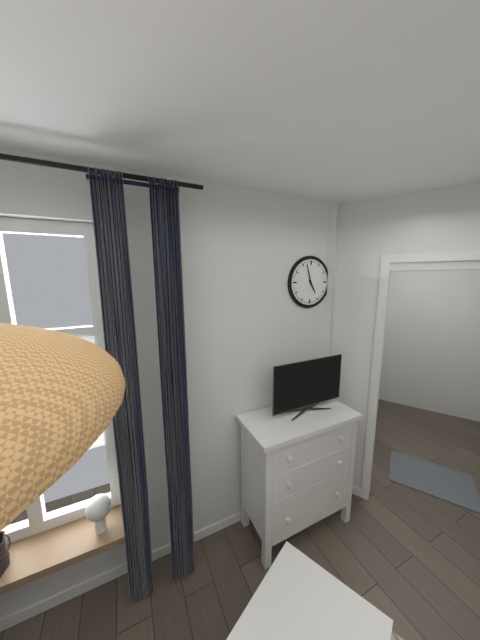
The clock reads 4 h 57 min
